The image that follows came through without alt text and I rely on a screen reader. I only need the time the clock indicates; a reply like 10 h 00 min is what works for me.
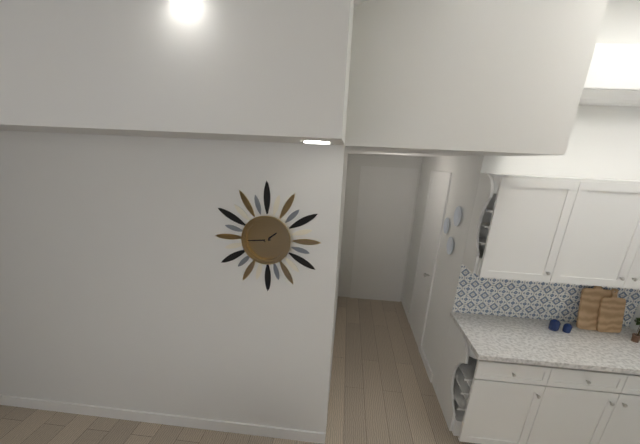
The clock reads 1 h 44 min
